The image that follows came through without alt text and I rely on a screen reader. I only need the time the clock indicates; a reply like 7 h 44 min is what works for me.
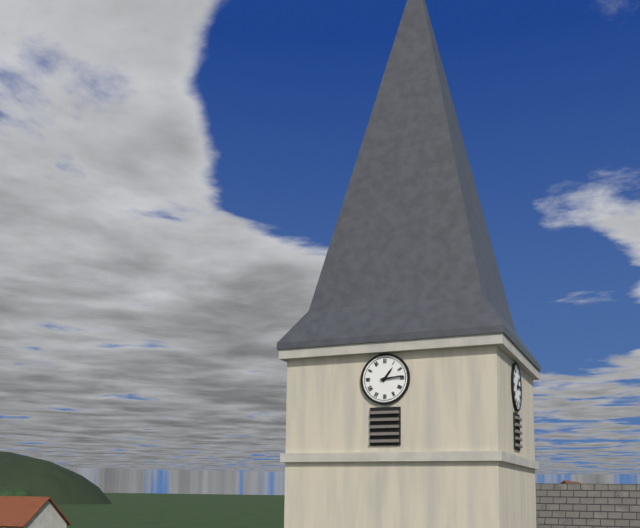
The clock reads 1 h 14 min
